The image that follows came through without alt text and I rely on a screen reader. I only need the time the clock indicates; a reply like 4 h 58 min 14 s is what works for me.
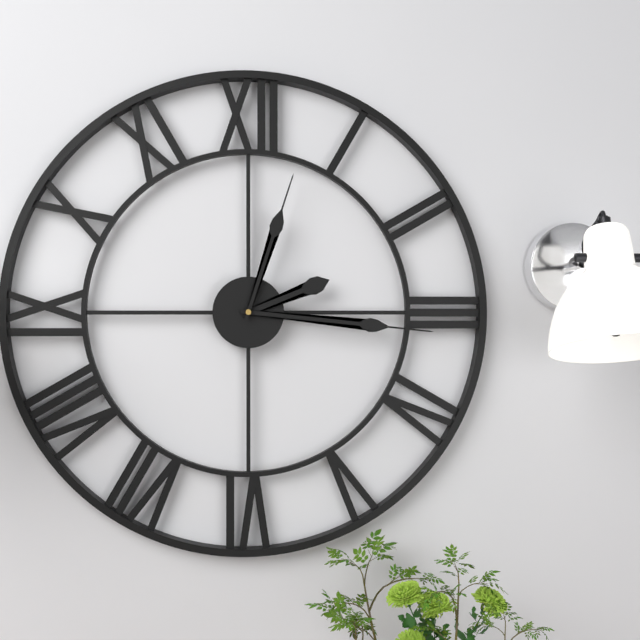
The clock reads 2 h 16 min 03 s
